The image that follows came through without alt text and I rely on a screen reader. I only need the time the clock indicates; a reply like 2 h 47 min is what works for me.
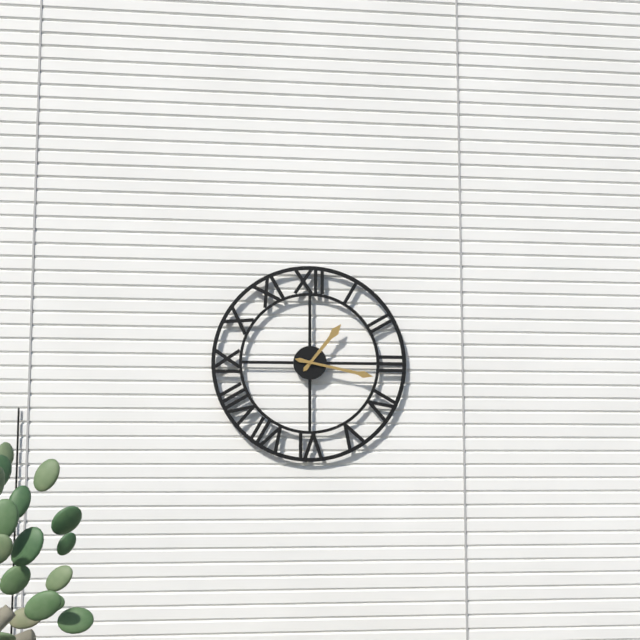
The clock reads 1 h 17 min
